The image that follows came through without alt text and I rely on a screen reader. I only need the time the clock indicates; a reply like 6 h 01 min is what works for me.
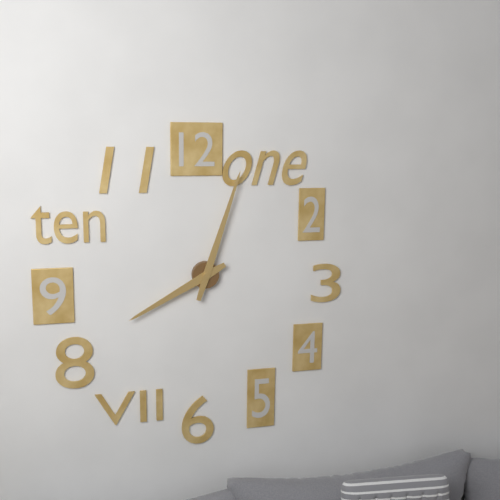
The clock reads 8 h 03 min
